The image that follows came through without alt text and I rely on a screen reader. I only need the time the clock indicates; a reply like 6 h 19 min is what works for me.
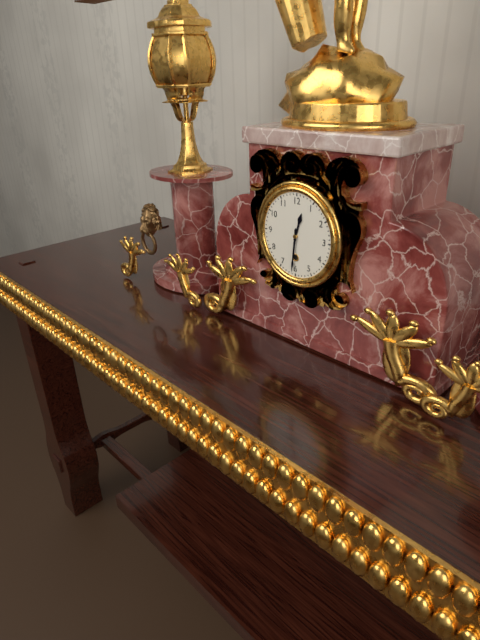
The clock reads 12 h 31 min
